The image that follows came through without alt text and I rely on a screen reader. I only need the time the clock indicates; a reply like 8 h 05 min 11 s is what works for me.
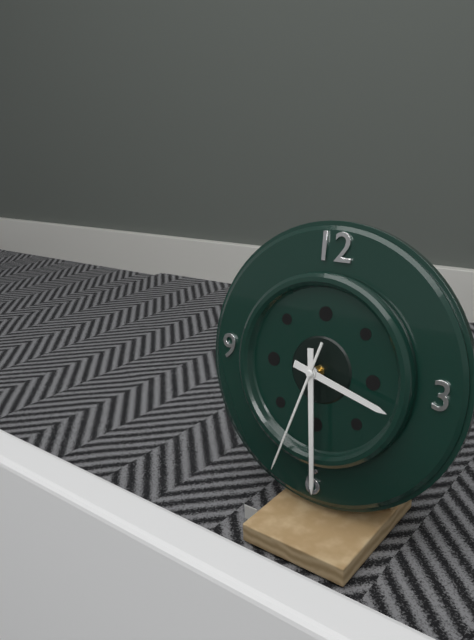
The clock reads 3 h 29 min 33 s
